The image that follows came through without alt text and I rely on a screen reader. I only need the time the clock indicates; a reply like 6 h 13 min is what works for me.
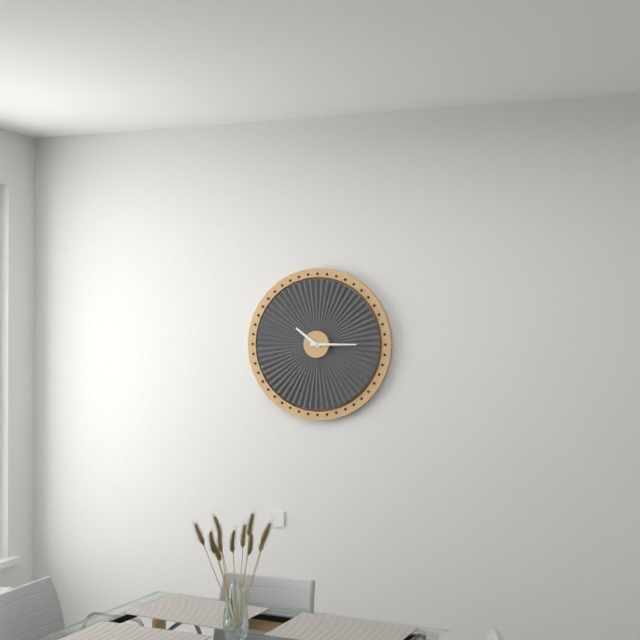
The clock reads 10 h 15 min
